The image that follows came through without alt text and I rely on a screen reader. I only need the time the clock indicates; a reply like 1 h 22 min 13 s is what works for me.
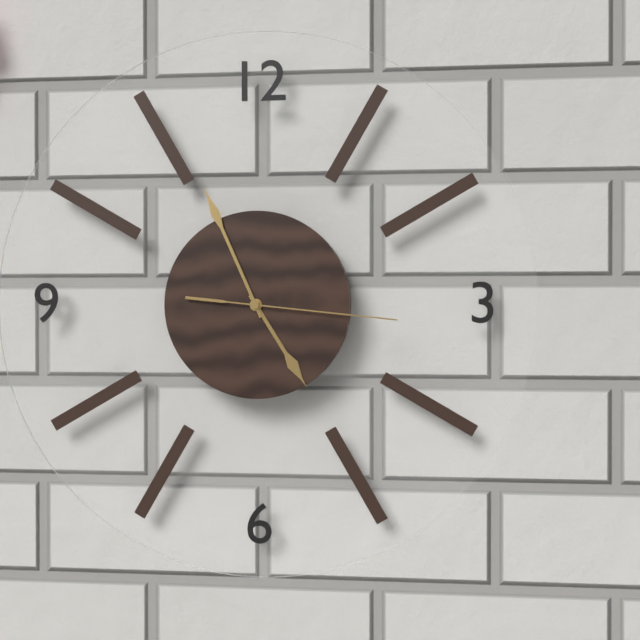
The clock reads 4 h 56 min 16 s
